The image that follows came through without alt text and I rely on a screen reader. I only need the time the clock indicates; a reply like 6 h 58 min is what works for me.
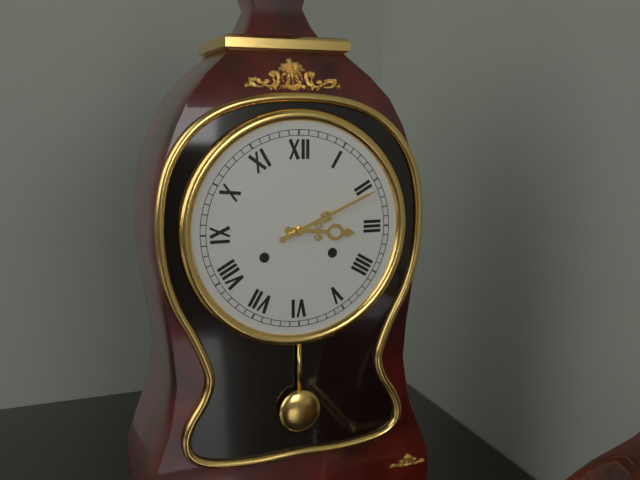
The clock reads 3 h 11 min
